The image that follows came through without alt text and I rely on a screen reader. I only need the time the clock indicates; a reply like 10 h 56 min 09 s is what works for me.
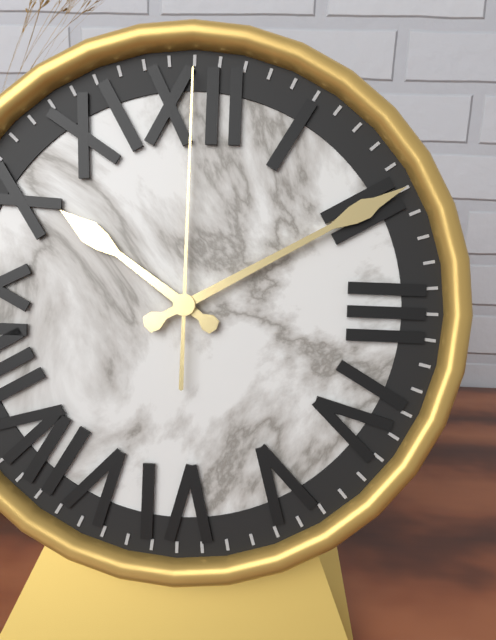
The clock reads 10 h 10 min 00 s
